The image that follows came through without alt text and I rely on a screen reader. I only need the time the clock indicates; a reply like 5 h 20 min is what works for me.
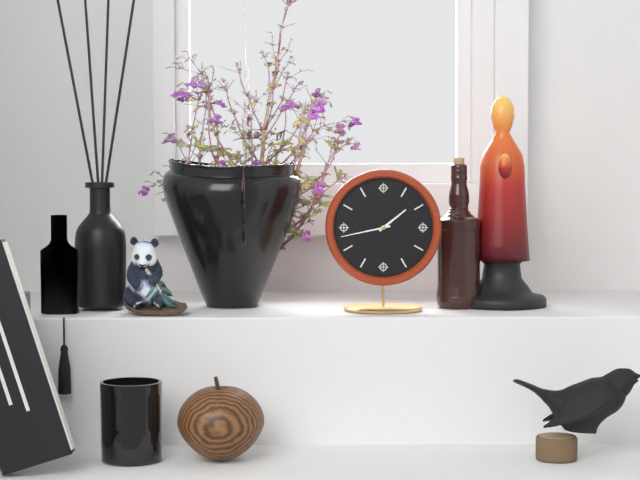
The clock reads 1 h 43 min
